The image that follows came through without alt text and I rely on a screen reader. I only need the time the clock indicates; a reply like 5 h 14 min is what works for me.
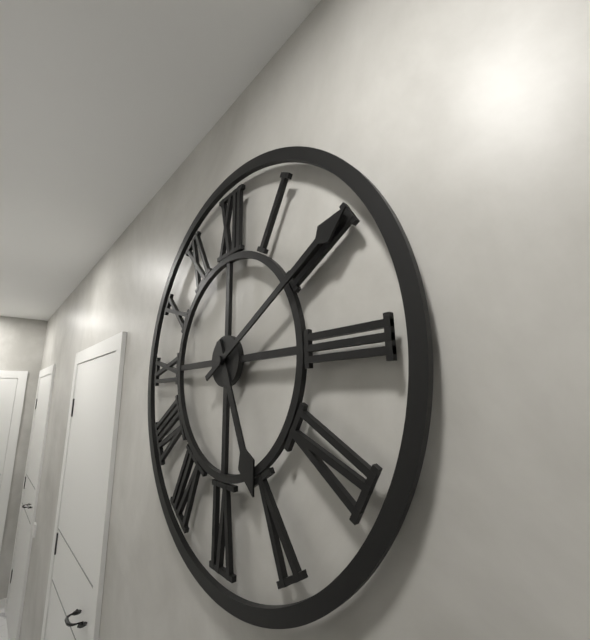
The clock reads 5 h 10 min
